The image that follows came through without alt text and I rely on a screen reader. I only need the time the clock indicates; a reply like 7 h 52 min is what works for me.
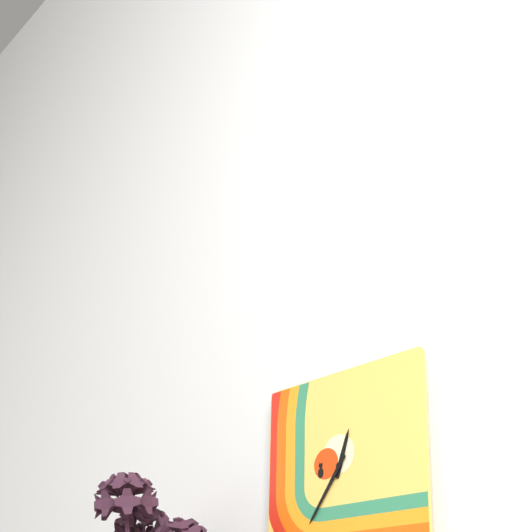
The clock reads 12 h 36 min
